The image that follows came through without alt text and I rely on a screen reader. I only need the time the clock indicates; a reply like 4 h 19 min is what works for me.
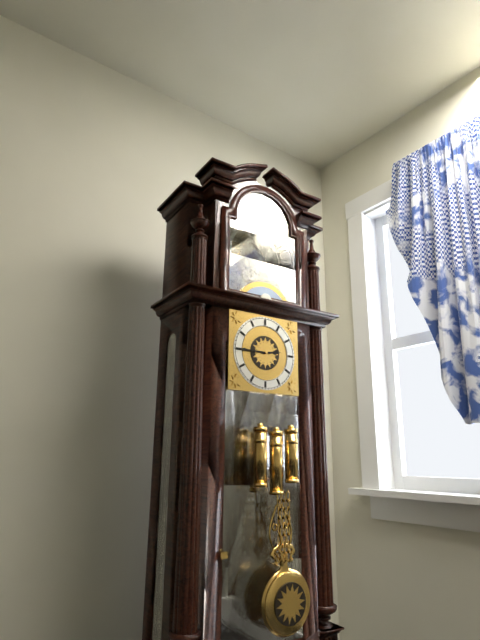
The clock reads 2 h 45 min
